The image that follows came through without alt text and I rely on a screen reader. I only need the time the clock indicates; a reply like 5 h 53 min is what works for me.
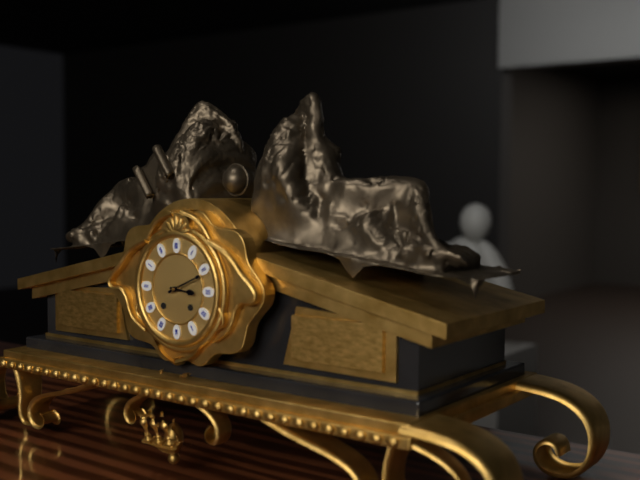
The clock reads 3 h 11 min
